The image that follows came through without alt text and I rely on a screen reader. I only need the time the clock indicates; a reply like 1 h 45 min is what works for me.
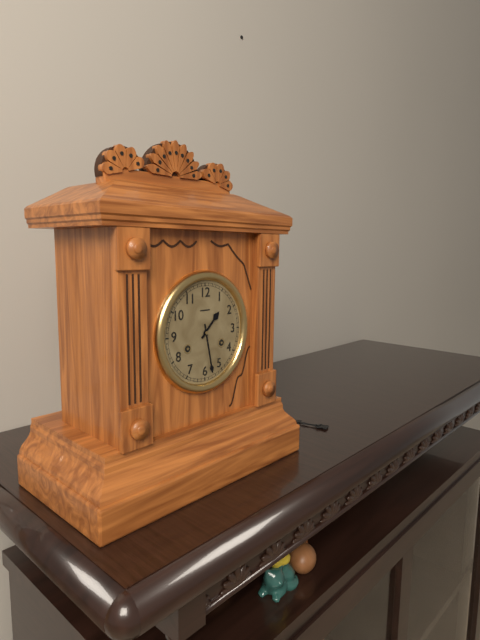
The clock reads 1 h 28 min
